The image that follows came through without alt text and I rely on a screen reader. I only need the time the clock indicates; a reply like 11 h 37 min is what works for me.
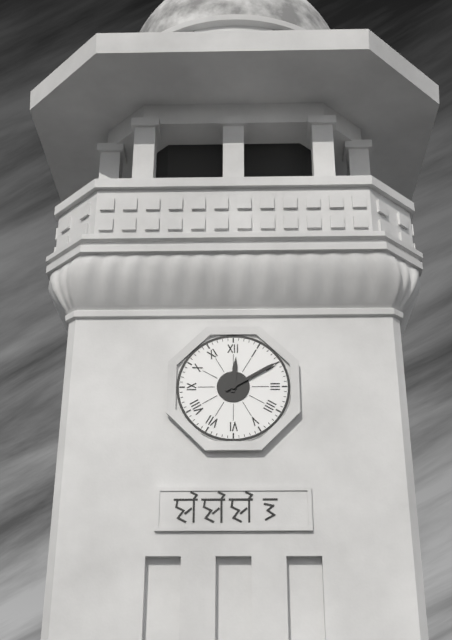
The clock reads 12 h 10 min
